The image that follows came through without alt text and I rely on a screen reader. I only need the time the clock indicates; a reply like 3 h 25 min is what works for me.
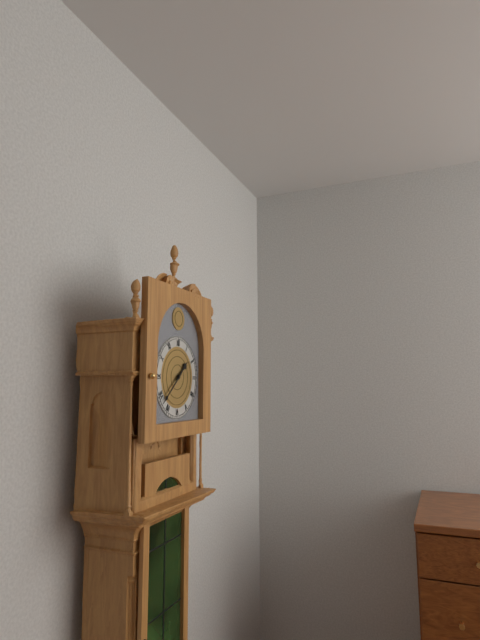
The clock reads 1 h 38 min
